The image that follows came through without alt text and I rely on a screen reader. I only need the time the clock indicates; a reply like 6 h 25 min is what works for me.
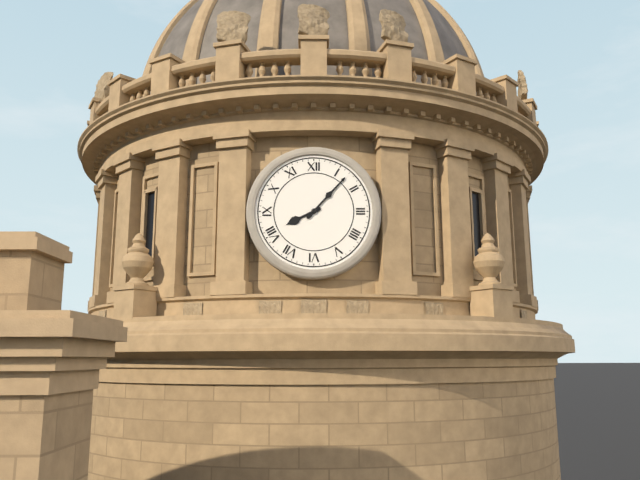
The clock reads 8 h 07 min
